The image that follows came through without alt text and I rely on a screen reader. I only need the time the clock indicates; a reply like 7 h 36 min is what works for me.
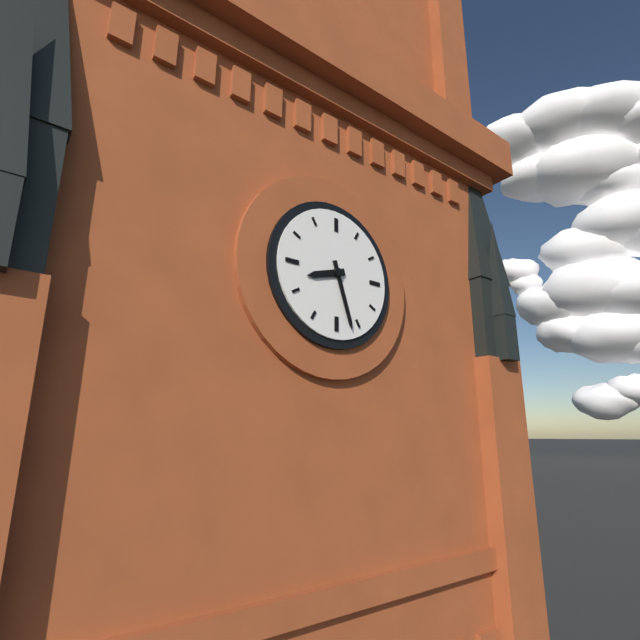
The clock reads 8 h 27 min
